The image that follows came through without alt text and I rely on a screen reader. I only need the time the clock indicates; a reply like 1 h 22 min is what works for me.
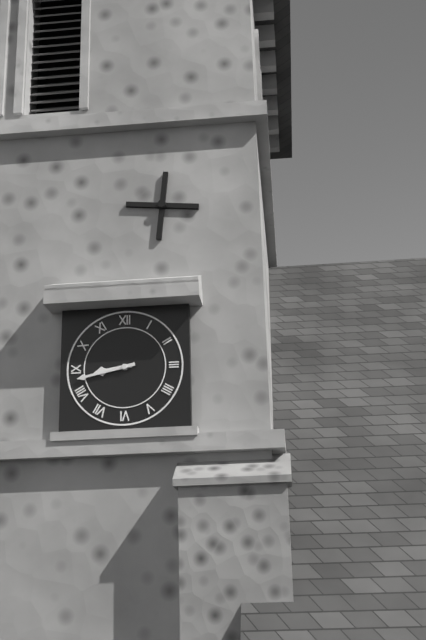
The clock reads 8 h 43 min
